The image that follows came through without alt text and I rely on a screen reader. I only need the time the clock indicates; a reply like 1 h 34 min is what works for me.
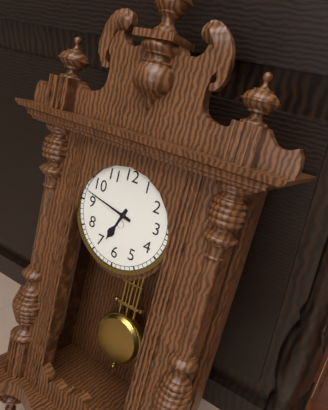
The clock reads 6 h 47 min
